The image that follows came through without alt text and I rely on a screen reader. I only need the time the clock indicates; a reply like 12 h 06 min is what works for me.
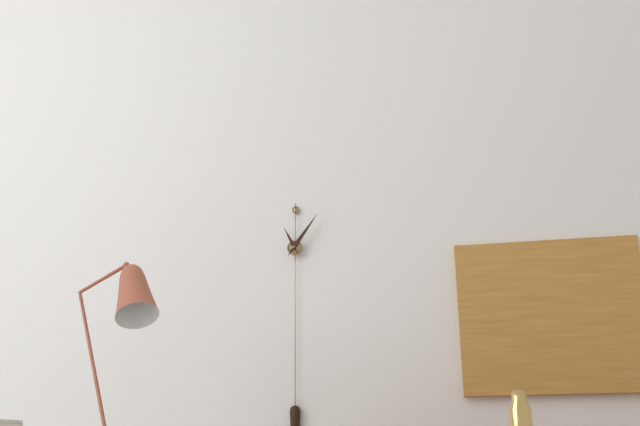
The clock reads 11 h 06 min
